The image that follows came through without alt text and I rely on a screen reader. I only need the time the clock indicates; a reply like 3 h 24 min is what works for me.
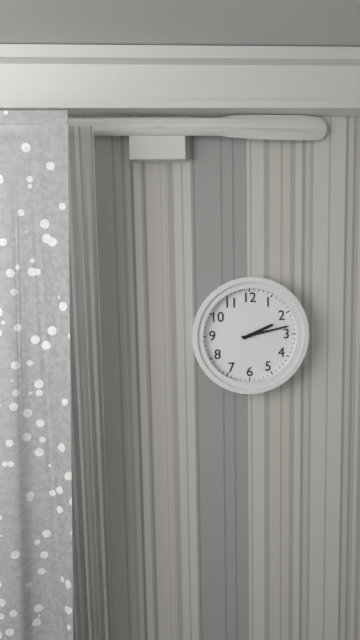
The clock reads 2 h 13 min
